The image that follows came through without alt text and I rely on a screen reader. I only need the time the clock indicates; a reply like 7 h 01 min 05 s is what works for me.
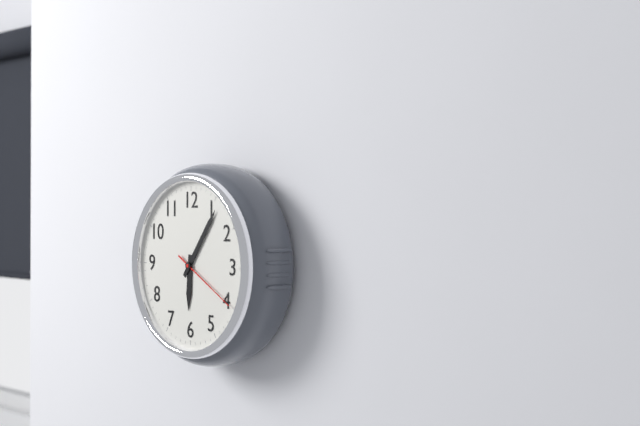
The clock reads 6 h 06 min 20 s
